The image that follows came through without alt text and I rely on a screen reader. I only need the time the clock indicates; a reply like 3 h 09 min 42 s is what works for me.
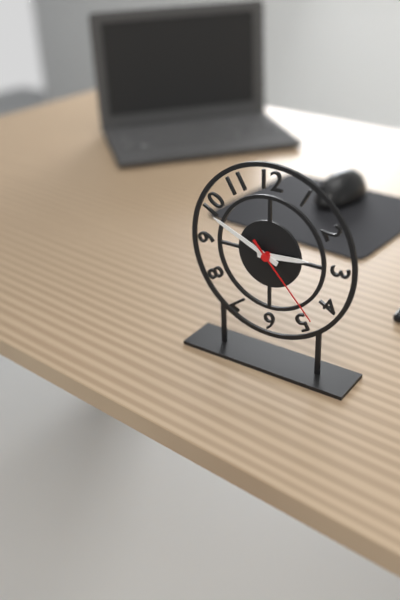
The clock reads 2 h 49 min 23 s
